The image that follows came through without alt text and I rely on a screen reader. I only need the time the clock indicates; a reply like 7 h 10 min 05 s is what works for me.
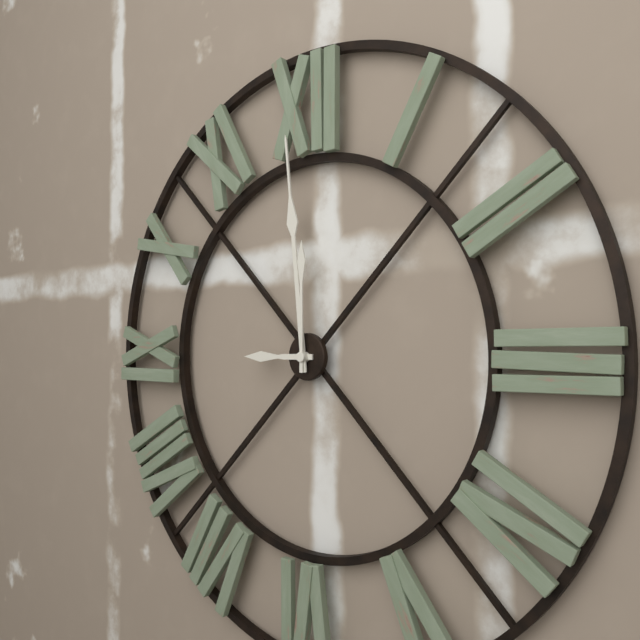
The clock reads 8 h 59 min 00 s
